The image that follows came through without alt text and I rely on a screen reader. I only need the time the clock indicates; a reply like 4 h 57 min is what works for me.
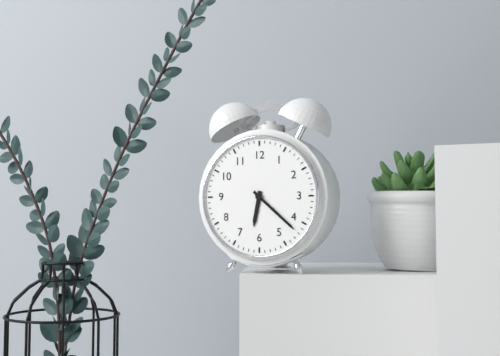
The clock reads 6 h 22 min
